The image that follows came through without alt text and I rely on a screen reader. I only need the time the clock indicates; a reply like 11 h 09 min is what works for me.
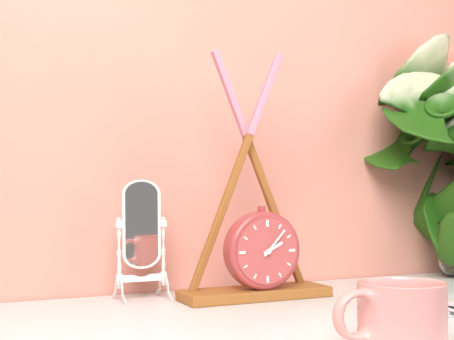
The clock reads 2 h 07 min
